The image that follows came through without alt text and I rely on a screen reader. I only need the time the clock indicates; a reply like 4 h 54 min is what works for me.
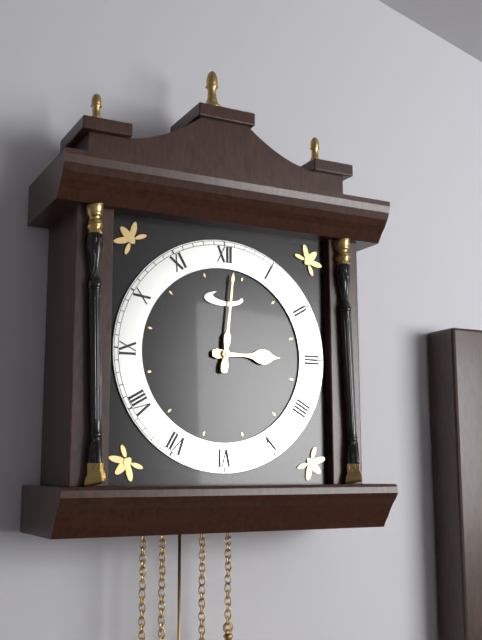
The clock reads 3 h 01 min
